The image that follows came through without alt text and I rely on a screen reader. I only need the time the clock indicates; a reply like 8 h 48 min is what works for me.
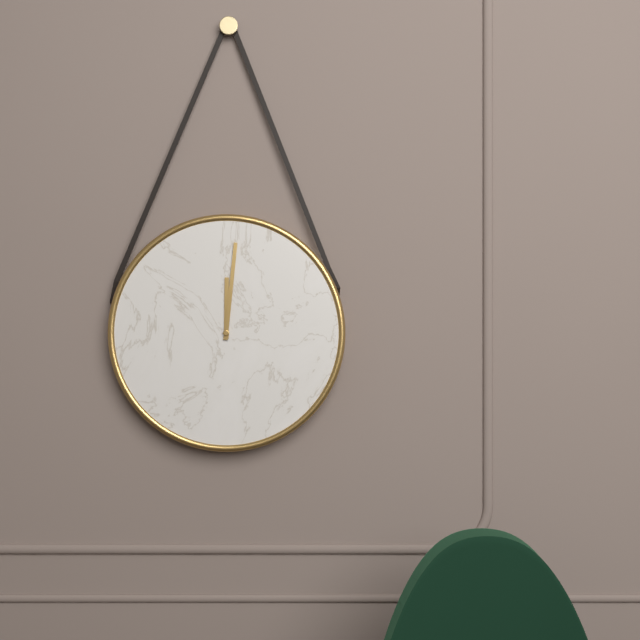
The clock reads 12 h 01 min
